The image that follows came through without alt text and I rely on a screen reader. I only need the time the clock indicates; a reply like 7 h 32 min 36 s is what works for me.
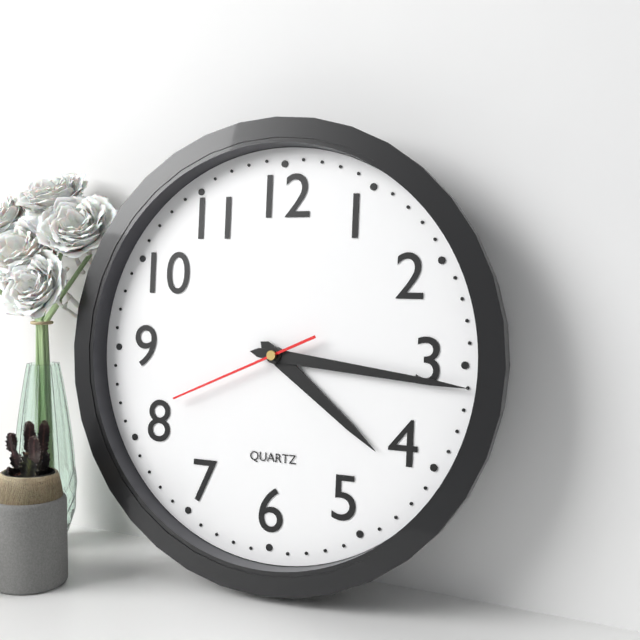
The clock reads 4 h 16 min 41 s
